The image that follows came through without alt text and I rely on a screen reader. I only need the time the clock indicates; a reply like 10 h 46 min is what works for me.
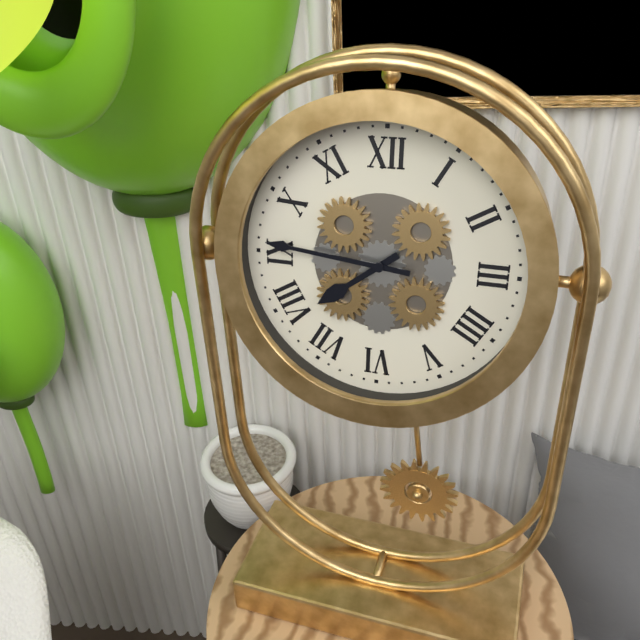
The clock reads 7 h 46 min
